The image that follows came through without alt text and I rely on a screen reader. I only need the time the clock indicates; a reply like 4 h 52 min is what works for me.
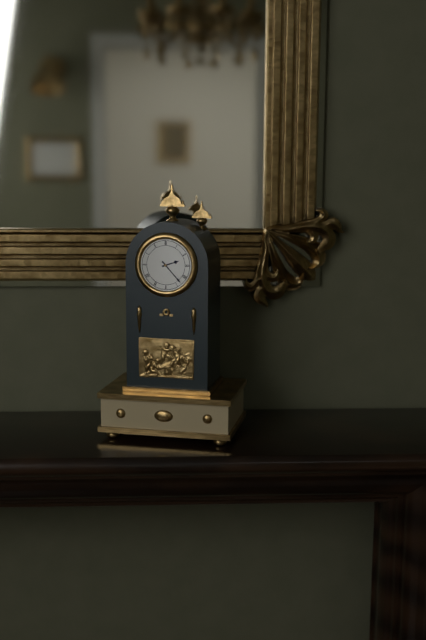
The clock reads 2 h 23 min
